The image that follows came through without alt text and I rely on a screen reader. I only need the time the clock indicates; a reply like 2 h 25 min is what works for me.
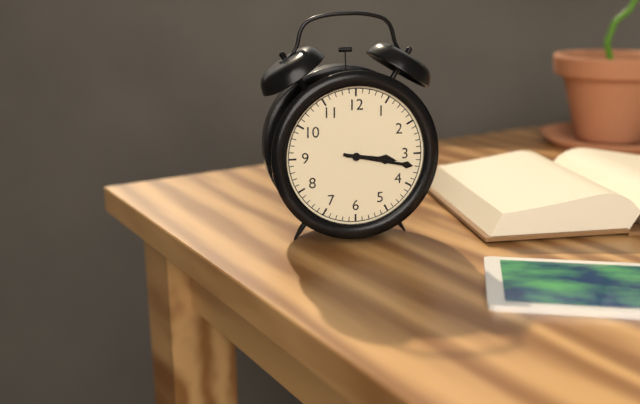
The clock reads 3 h 17 min
